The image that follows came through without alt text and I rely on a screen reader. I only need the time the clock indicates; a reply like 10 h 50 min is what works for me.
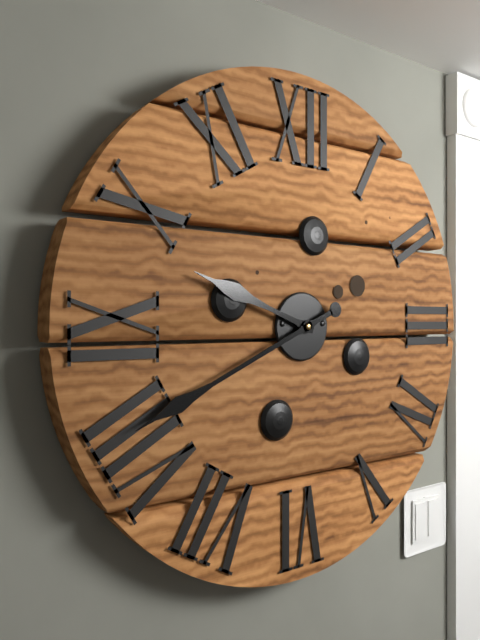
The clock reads 9 h 41 min
